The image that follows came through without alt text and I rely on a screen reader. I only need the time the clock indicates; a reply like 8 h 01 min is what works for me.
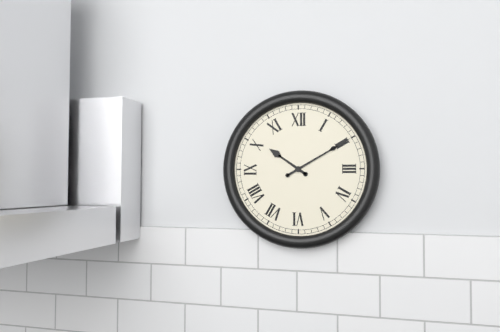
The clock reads 10 h 10 min
